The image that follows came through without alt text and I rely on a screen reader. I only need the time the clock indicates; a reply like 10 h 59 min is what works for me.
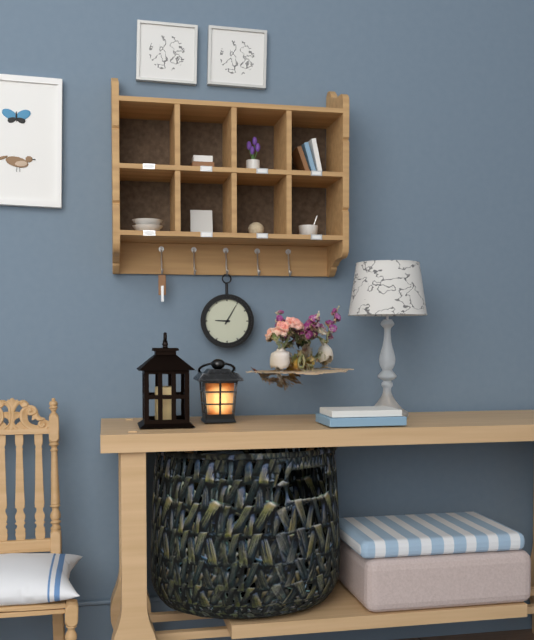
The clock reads 9 h 05 min
